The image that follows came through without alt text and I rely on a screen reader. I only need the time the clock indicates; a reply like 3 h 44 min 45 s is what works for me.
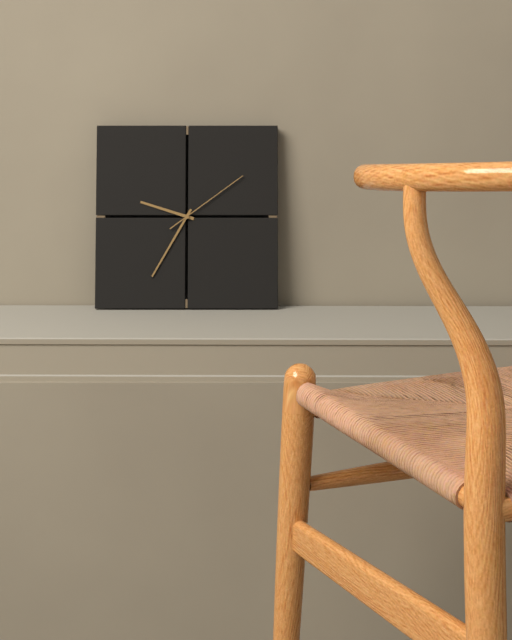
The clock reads 9 h 35 min 09 s
